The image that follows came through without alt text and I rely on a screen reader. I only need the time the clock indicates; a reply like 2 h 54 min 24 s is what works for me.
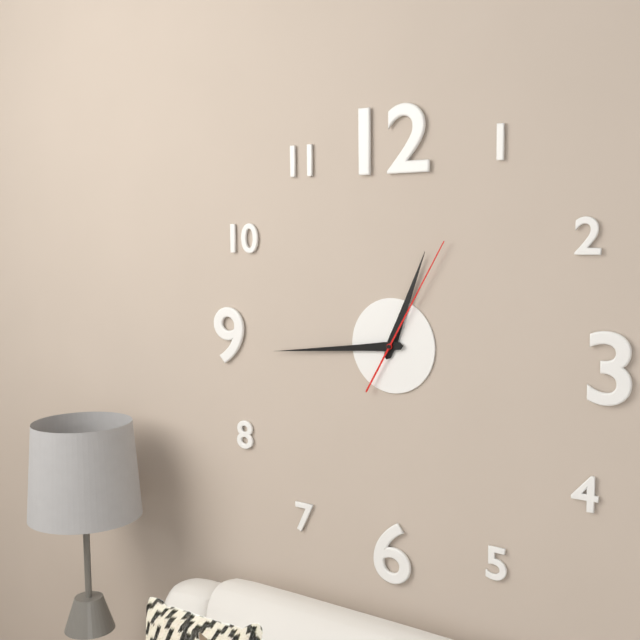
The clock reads 12 h 44 min 05 s
